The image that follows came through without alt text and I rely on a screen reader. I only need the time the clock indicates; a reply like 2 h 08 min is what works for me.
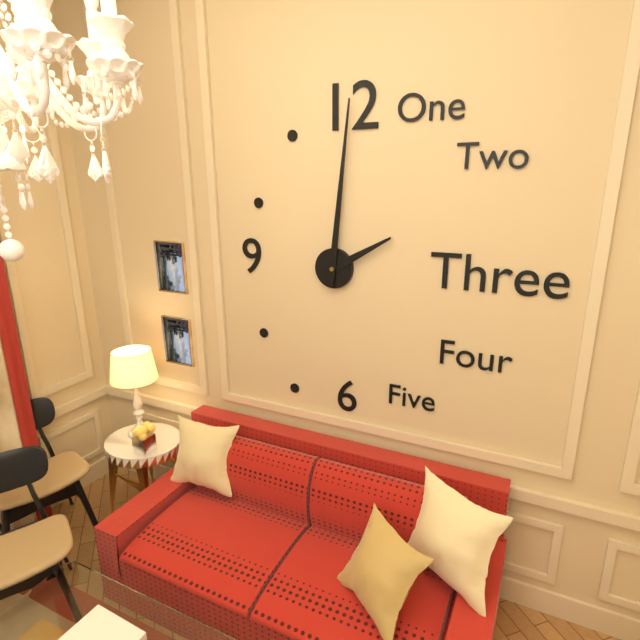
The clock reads 2 h 01 min
